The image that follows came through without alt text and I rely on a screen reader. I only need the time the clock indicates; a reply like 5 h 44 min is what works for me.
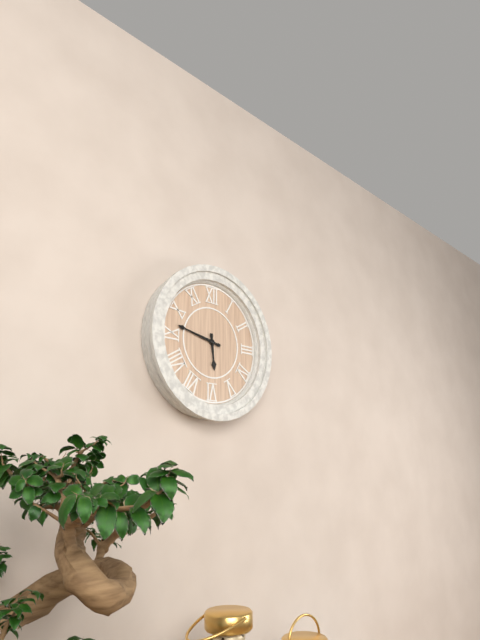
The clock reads 5 h 47 min
